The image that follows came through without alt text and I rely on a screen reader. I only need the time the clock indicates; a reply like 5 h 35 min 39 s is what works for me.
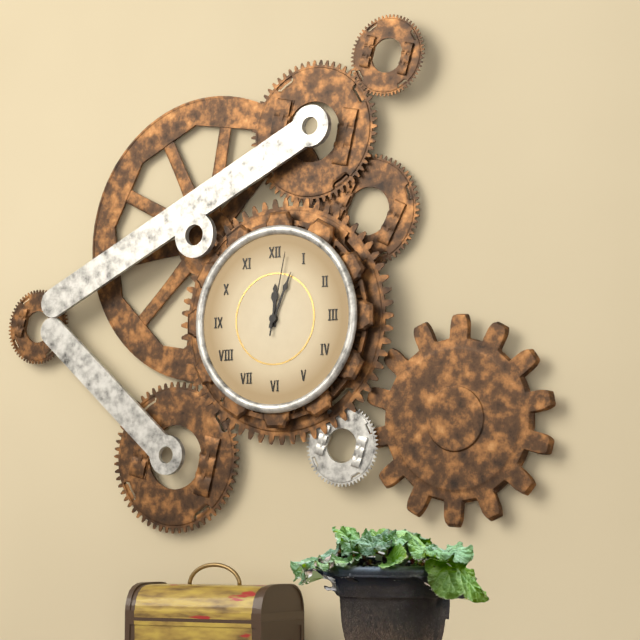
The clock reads 12 h 04 min 02 s
